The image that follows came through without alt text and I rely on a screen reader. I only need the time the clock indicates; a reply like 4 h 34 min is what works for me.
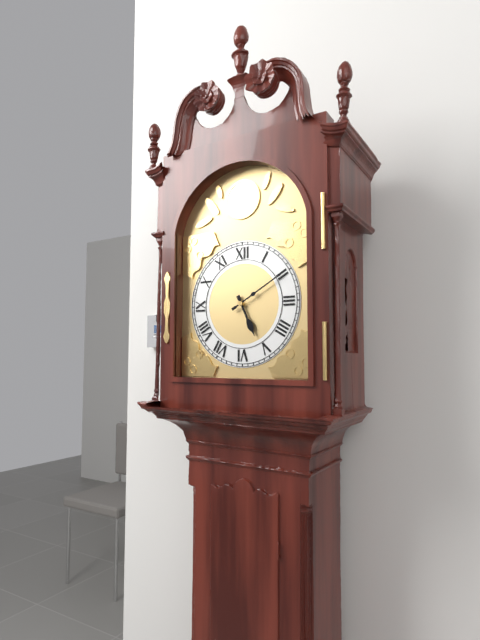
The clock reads 5 h 10 min
